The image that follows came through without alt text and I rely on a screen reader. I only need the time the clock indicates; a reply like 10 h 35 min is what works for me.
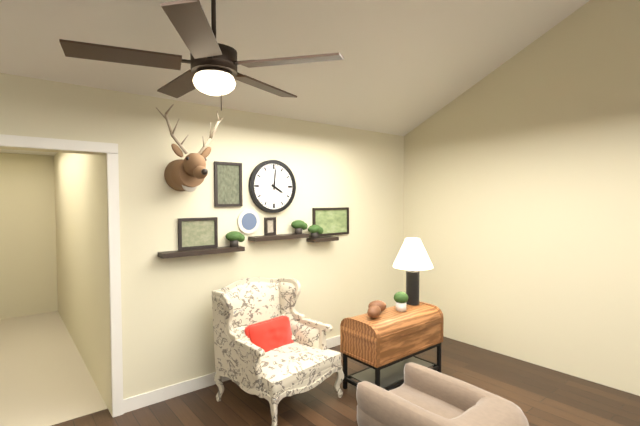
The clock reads 4 h 01 min
